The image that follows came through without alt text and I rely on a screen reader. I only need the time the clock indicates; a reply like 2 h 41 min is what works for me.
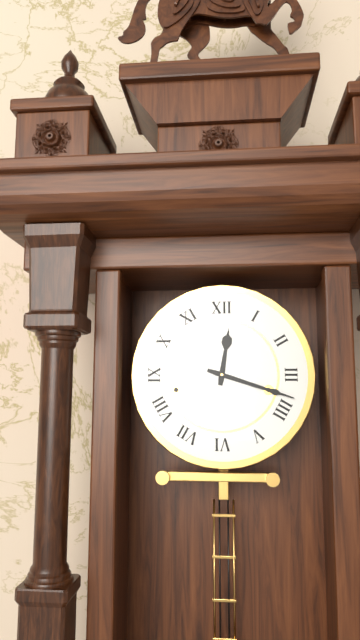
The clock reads 12 h 18 min
